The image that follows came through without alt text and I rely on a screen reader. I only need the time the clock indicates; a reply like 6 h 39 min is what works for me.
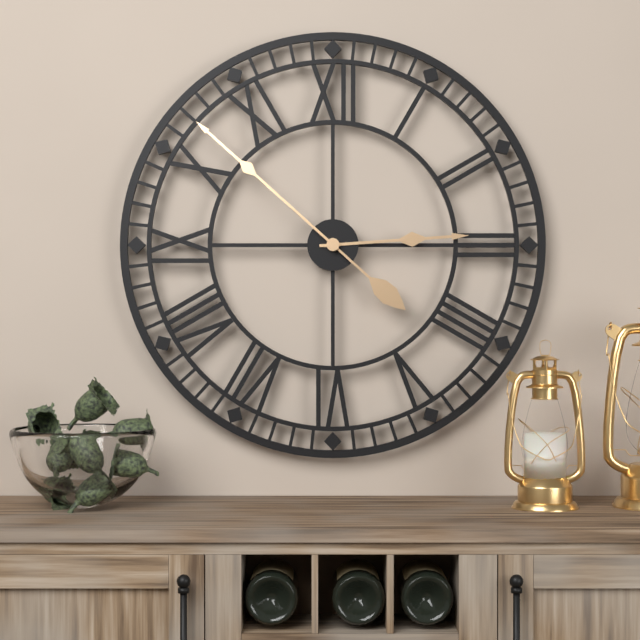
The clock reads 2 h 52 min
